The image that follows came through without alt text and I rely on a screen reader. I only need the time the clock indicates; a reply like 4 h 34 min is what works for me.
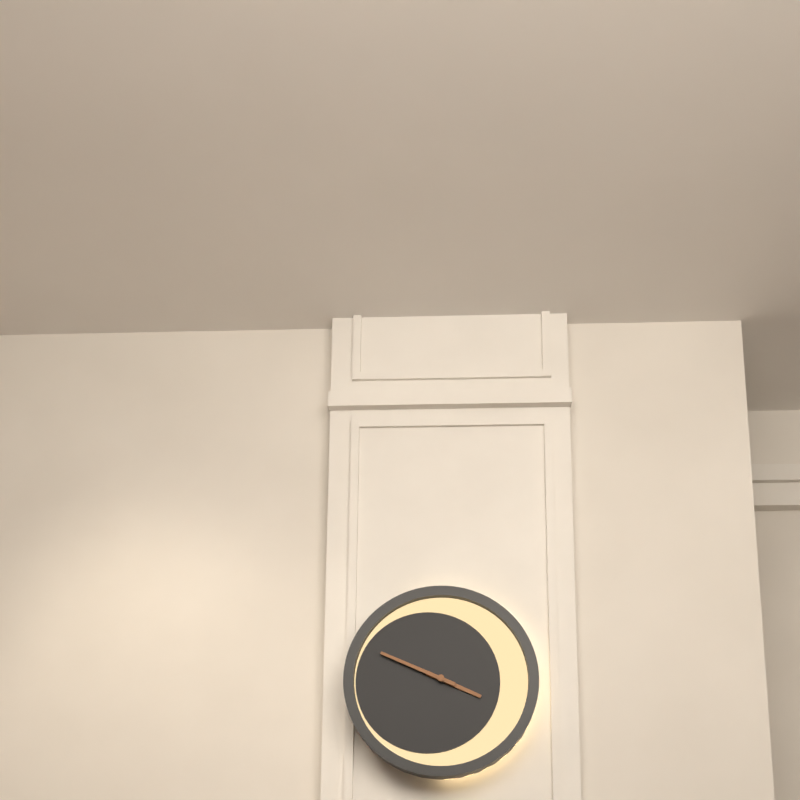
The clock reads 3 h 49 min
